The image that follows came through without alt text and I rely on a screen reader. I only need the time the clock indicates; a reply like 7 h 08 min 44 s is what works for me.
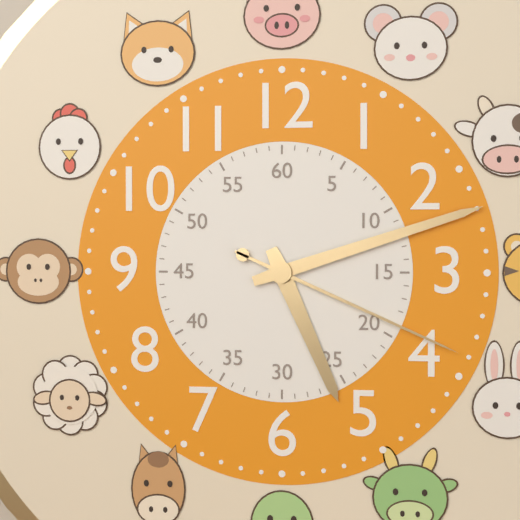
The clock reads 5 h 12 min 19 s
